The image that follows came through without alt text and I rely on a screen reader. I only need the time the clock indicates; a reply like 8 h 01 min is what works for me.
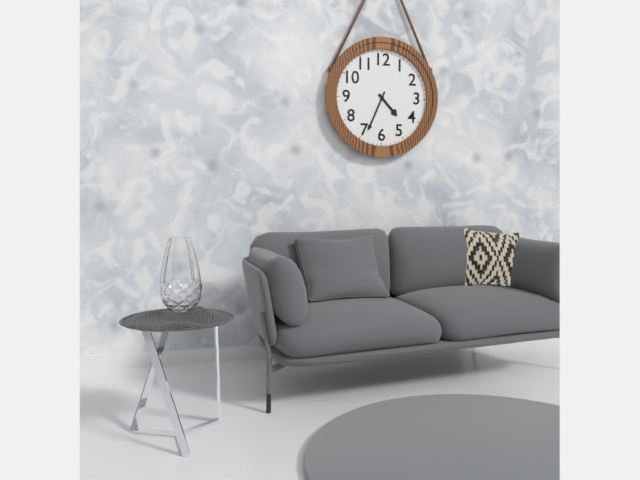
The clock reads 4 h 34 min
